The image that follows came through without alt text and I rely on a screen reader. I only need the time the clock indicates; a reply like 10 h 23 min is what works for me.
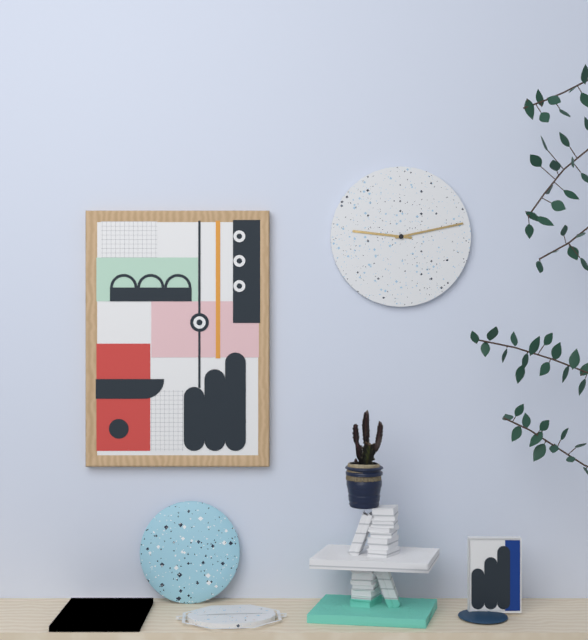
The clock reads 9 h 13 min
